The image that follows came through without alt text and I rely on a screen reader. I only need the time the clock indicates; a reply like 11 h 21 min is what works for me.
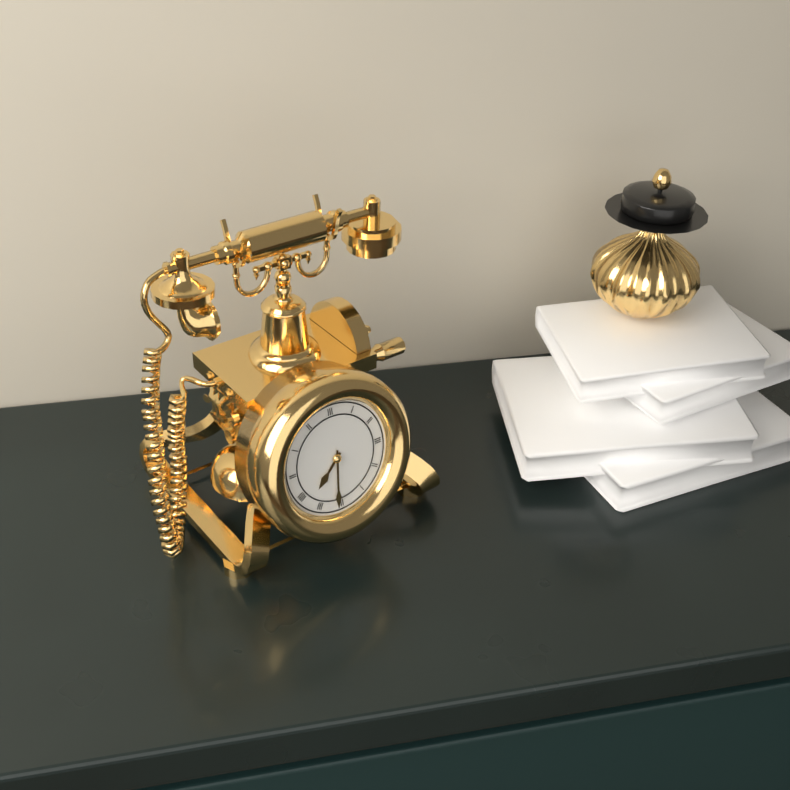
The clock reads 7 h 31 min
